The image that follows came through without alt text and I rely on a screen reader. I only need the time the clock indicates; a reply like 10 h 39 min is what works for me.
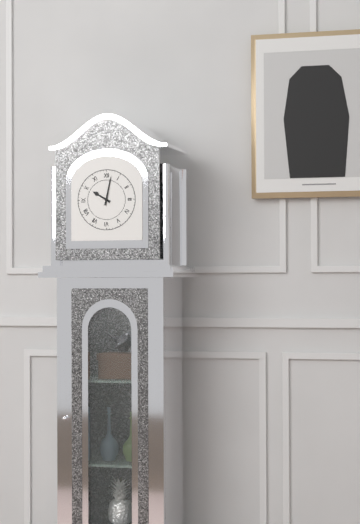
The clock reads 10 h 02 min
